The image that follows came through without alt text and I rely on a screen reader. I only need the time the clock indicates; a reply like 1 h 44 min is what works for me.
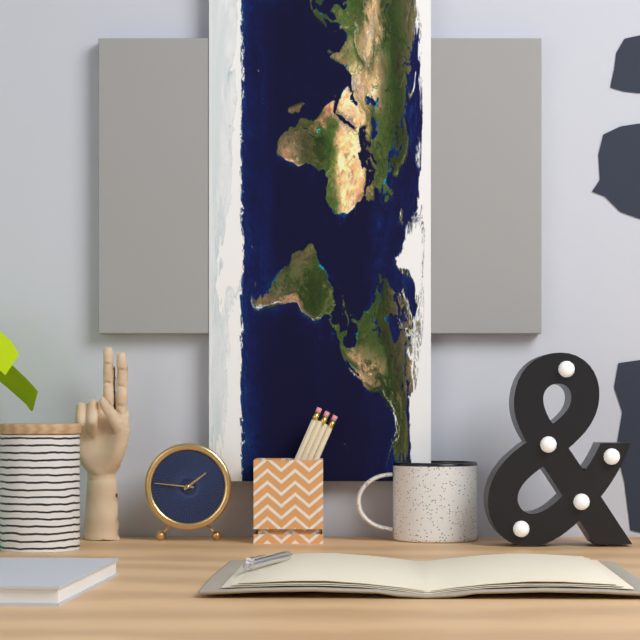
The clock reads 1 h 46 min
